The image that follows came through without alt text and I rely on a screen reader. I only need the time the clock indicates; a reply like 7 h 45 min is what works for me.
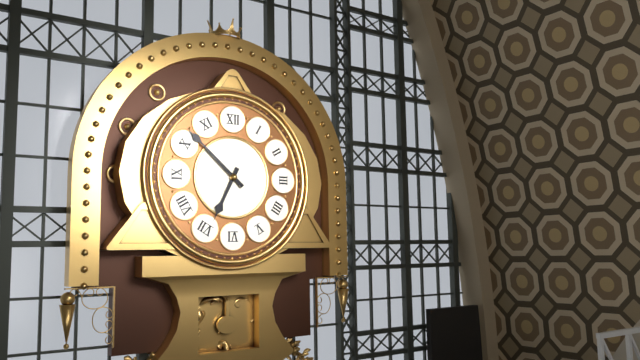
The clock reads 6 h 52 min
